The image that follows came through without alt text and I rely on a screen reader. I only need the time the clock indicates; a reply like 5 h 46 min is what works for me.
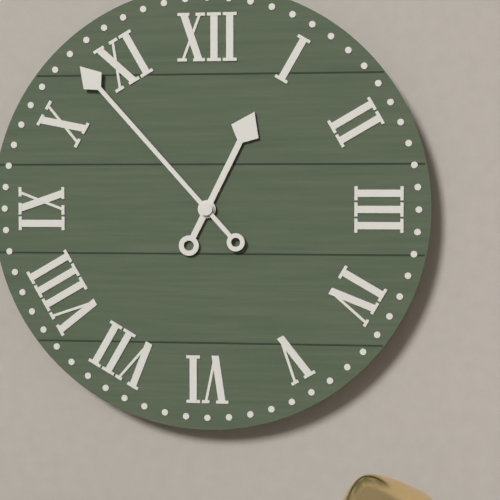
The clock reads 12 h 53 min
